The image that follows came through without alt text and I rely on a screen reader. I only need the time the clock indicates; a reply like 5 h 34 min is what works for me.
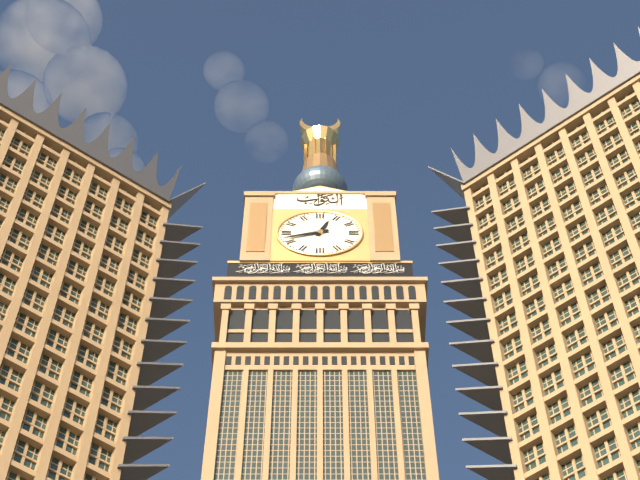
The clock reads 12 h 42 min
